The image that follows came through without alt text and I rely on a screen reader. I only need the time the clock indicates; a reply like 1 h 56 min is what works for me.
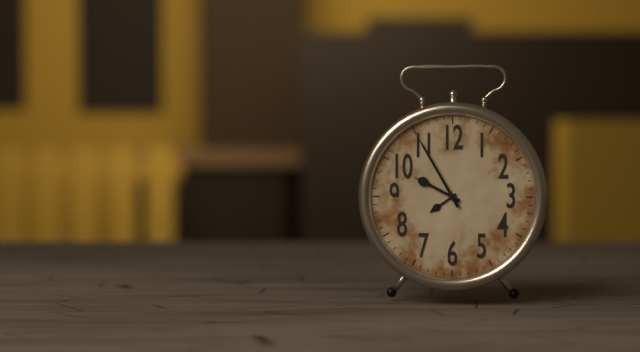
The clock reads 9 h 55 min
